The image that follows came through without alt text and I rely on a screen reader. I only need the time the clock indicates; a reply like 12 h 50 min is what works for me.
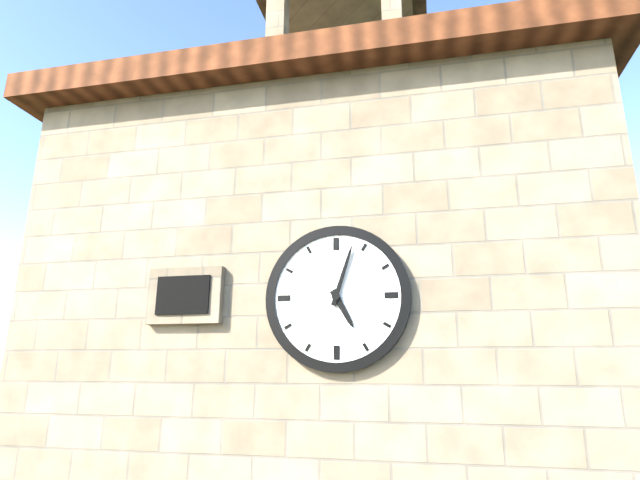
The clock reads 5 h 03 min
